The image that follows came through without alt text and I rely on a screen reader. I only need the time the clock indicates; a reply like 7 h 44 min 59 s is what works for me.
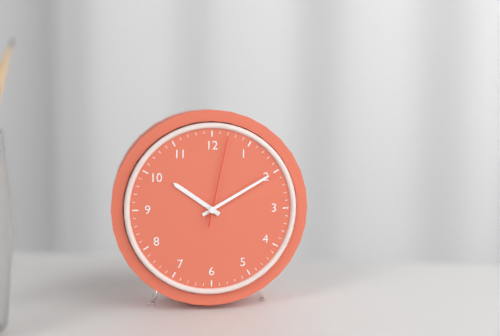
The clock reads 10 h 10 min 02 s
